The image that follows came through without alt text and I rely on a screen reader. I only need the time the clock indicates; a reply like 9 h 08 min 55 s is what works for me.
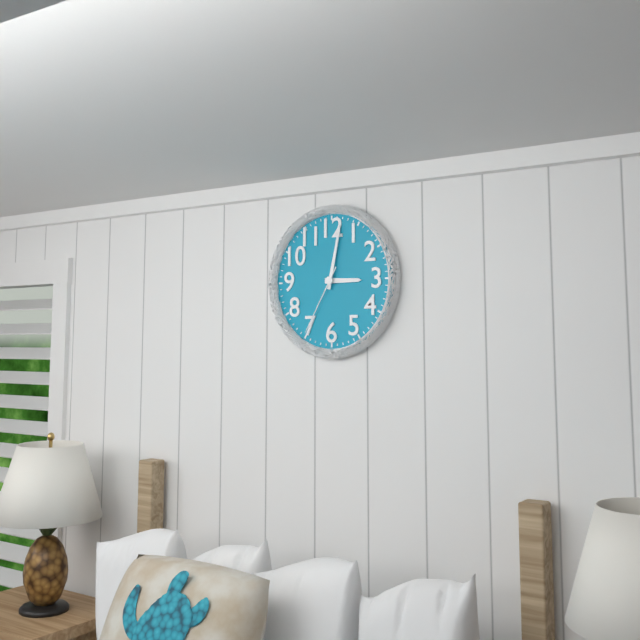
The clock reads 3 h 02 min 35 s
